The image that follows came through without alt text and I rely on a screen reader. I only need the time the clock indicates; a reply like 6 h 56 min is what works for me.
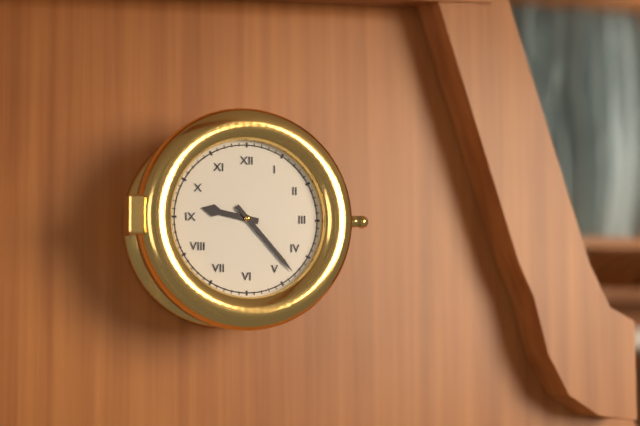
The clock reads 9 h 23 min
